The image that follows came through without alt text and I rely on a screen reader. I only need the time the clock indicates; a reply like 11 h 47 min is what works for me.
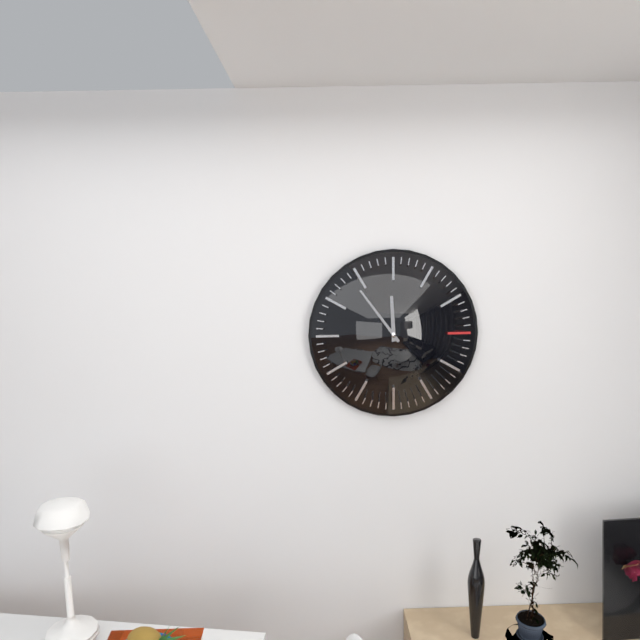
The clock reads 11 h 54 min
